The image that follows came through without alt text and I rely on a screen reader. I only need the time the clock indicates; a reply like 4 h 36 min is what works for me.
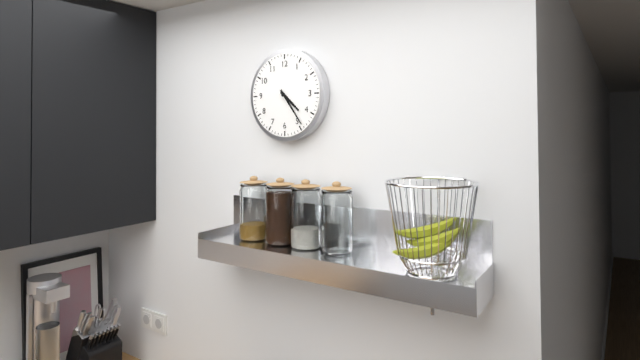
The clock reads 4 h 24 min
